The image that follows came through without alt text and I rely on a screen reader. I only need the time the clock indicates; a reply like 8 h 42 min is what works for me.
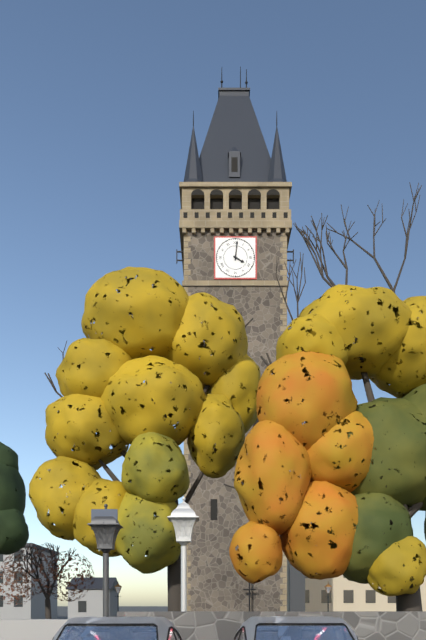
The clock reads 4 h 01 min
